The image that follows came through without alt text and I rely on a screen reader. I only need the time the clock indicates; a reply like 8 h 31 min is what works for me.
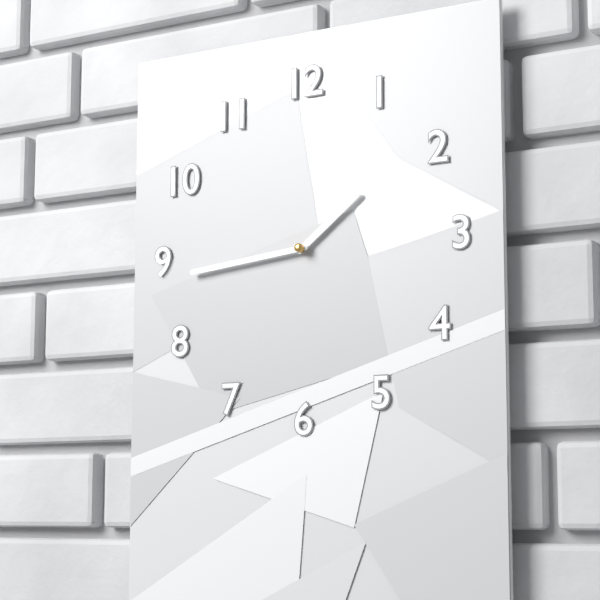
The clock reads 1 h 44 min
